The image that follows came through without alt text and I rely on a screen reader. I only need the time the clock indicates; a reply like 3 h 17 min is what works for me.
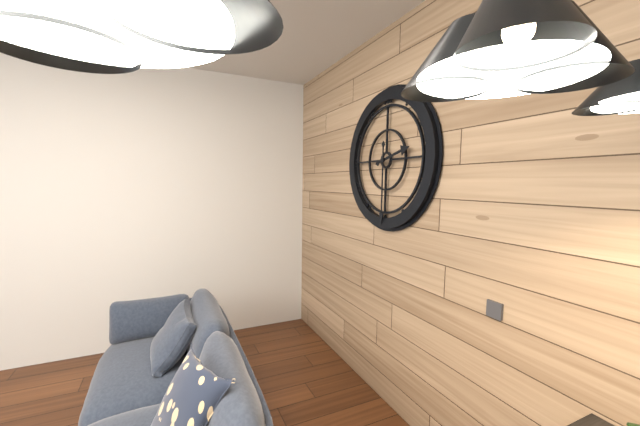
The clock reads 2 h 30 min
